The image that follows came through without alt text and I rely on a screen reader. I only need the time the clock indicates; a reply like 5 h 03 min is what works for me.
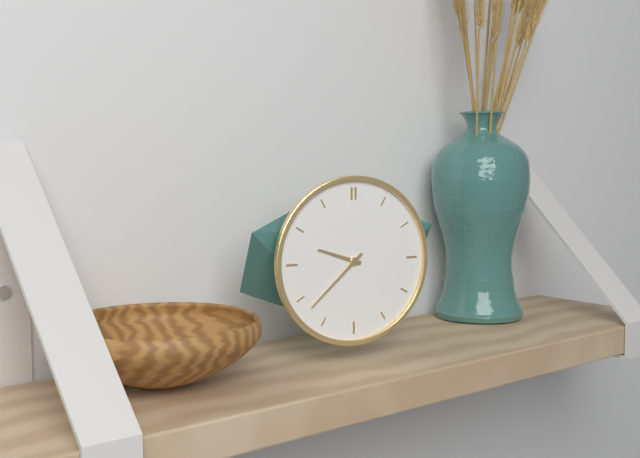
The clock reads 9 h 38 min
